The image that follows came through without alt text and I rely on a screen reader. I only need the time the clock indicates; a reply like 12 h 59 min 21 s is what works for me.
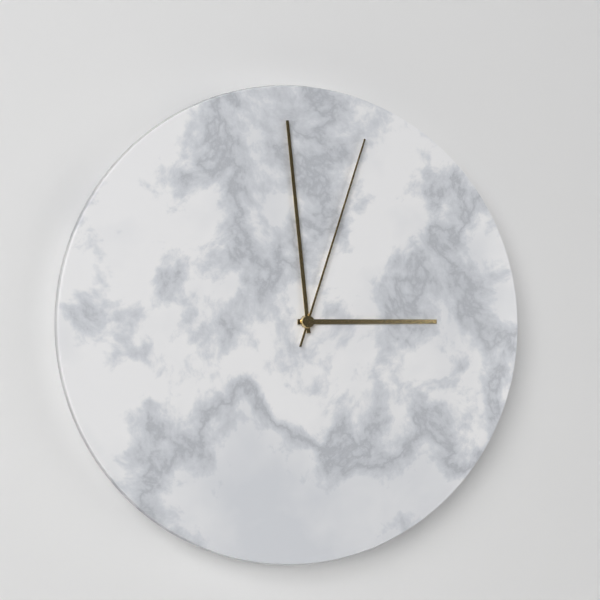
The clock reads 2 h 59 min 03 s
